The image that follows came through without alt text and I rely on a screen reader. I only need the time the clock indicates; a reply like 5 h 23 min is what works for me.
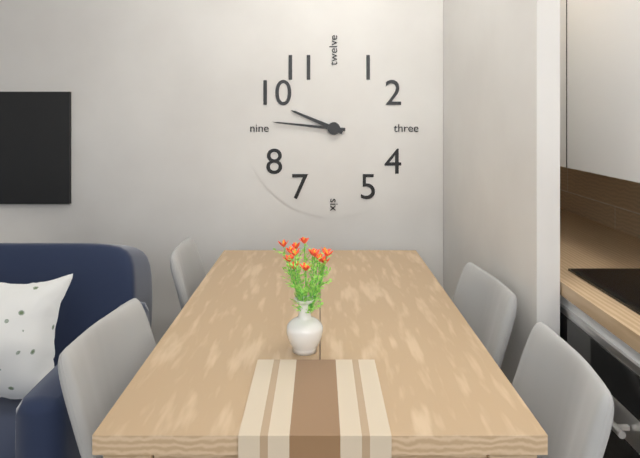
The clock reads 9 h 46 min
